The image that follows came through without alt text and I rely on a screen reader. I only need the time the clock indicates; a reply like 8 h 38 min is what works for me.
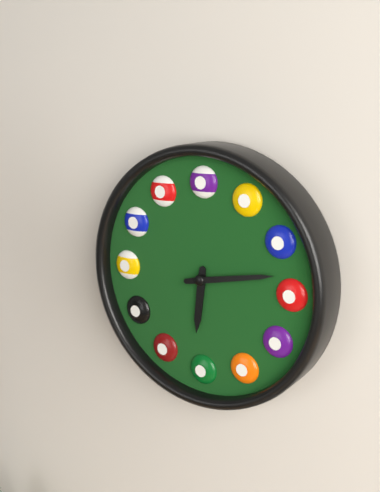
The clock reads 6 h 13 min
